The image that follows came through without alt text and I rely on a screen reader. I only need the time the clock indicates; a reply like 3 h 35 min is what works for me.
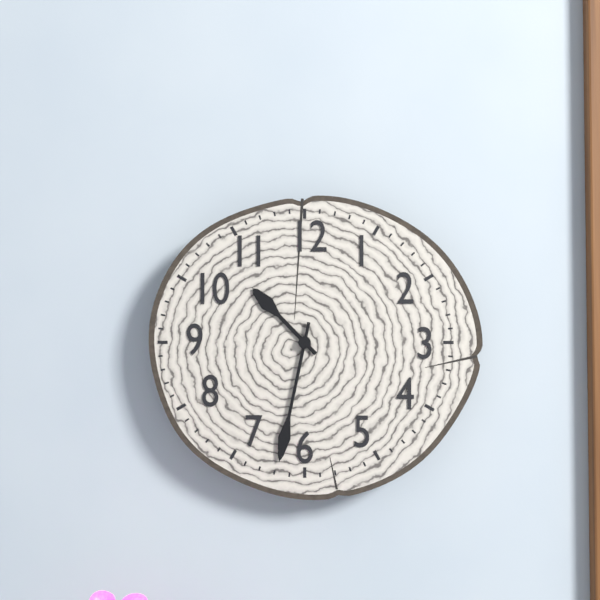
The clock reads 10 h 32 min
